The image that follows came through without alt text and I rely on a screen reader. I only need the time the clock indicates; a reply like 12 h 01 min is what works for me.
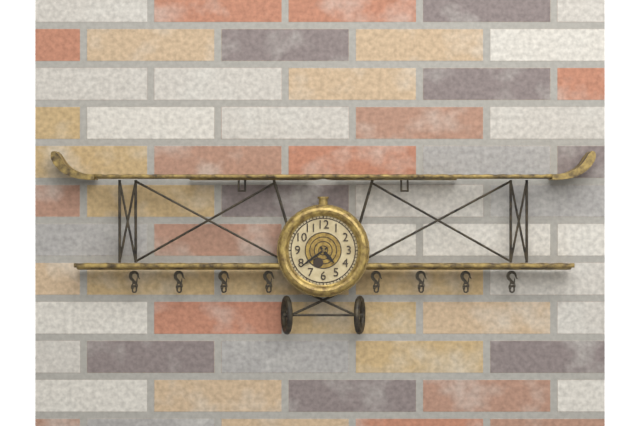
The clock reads 4 h 39 min
